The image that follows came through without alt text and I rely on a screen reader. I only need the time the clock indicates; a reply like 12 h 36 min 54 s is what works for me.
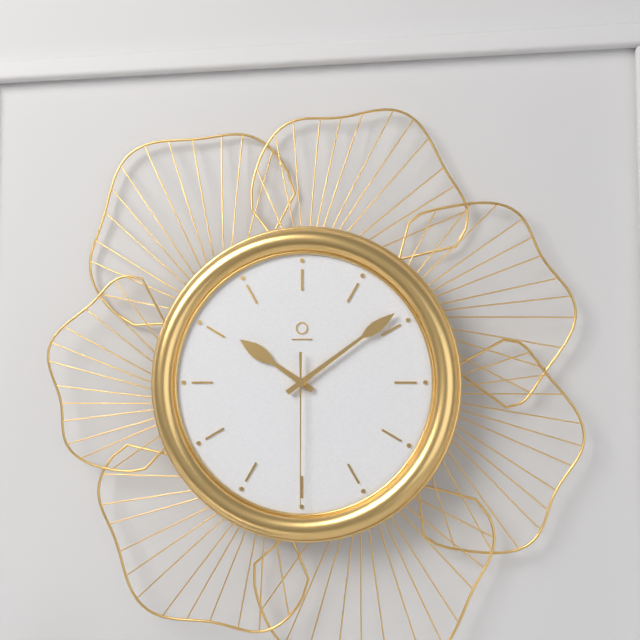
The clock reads 10 h 09 min 30 s
